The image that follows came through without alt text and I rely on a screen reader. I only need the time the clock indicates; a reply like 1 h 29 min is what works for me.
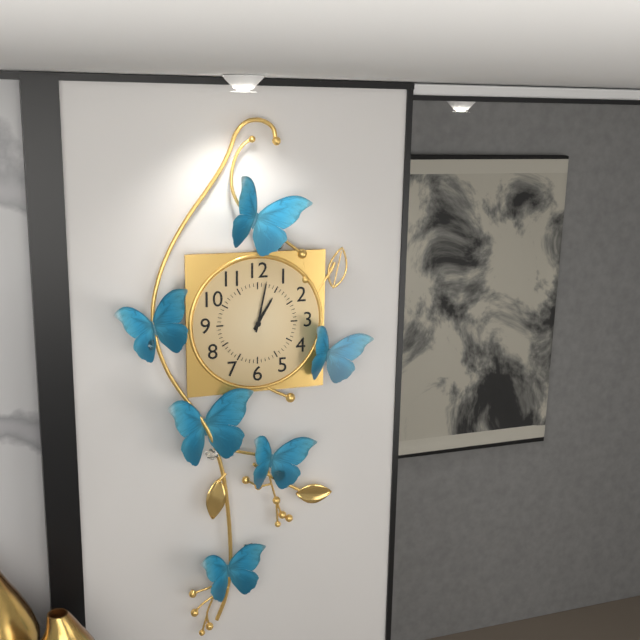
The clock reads 1 h 02 min
